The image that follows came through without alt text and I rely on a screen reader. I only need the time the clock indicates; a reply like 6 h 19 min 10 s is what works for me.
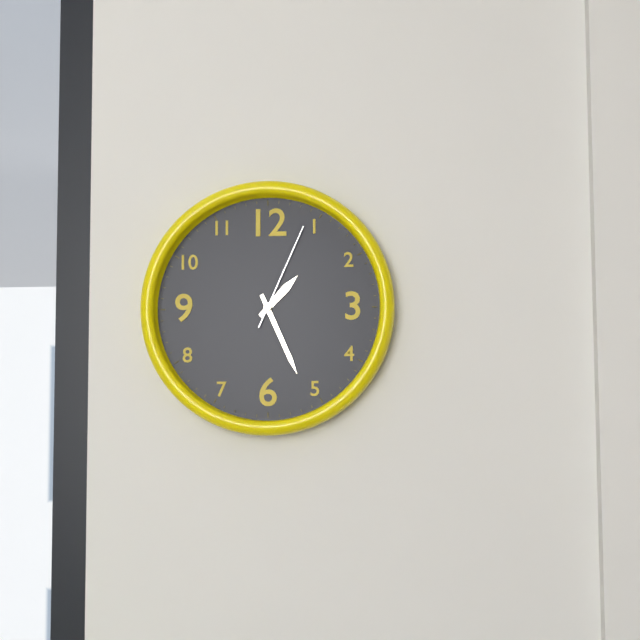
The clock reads 1 h 26 min 04 s
